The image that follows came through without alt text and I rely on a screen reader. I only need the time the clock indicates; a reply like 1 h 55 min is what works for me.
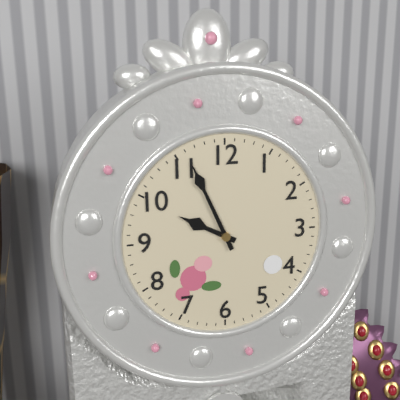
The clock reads 9 h 56 min
